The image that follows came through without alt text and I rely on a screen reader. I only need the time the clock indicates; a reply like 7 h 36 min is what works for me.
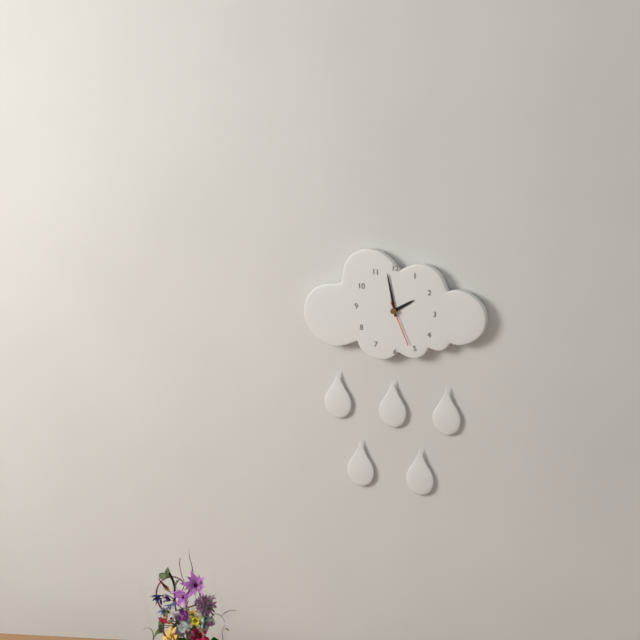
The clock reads 1 h 58 min
